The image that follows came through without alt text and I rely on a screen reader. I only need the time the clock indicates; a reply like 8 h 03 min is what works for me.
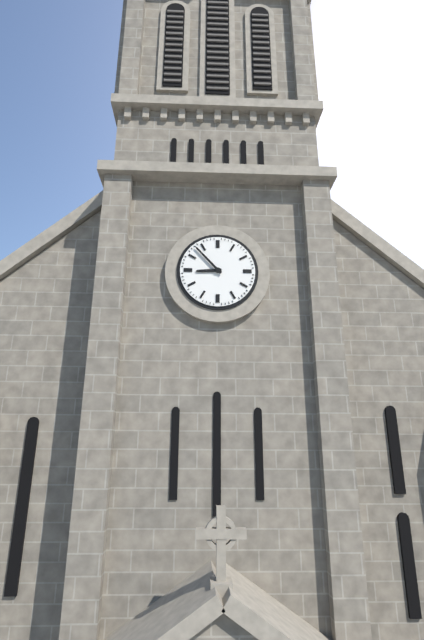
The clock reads 8 h 53 min
